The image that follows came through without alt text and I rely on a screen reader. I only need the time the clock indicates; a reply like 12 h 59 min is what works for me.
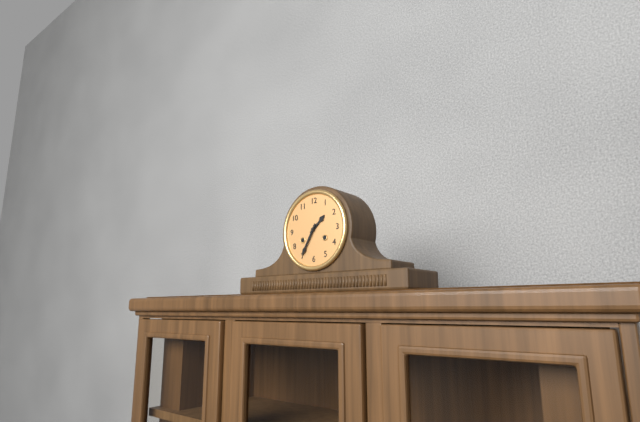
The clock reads 1 h 35 min
